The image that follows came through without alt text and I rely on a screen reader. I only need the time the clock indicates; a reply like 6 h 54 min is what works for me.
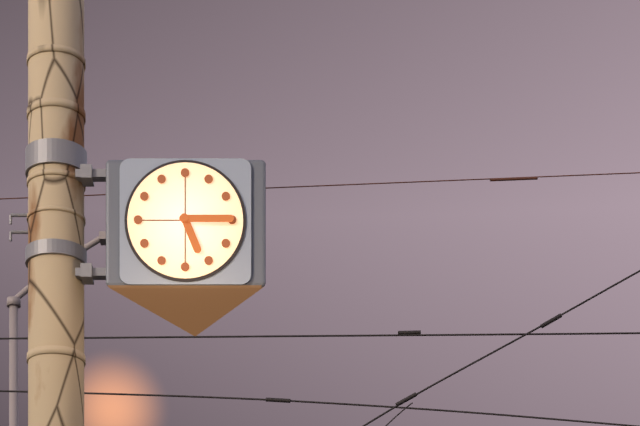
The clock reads 5 h 15 min
